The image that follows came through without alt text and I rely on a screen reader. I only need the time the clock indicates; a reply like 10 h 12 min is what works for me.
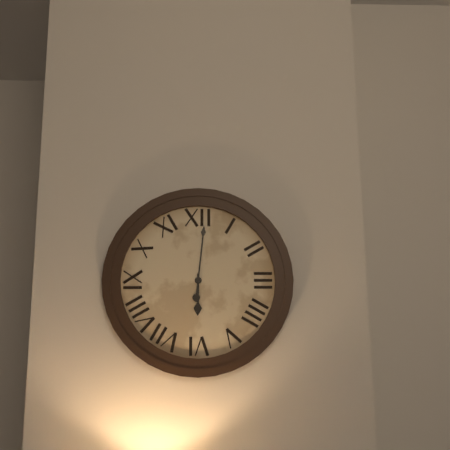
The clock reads 6 h 01 min
